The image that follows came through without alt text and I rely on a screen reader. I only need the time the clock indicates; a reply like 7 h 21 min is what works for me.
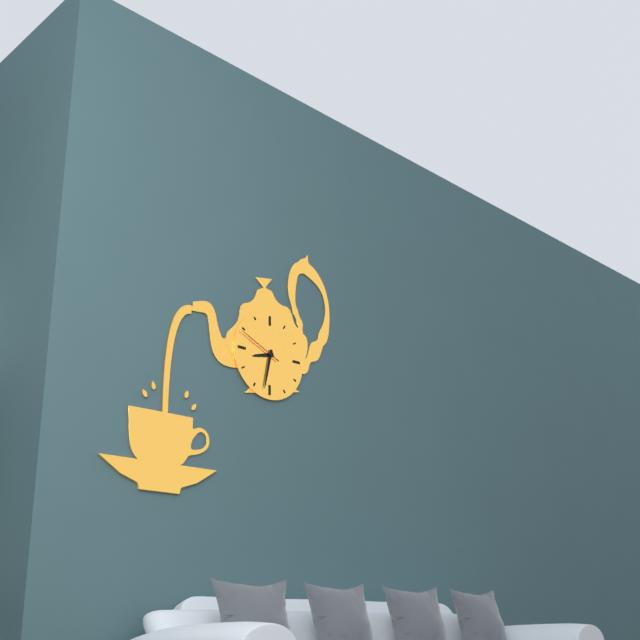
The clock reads 8 h 32 min
